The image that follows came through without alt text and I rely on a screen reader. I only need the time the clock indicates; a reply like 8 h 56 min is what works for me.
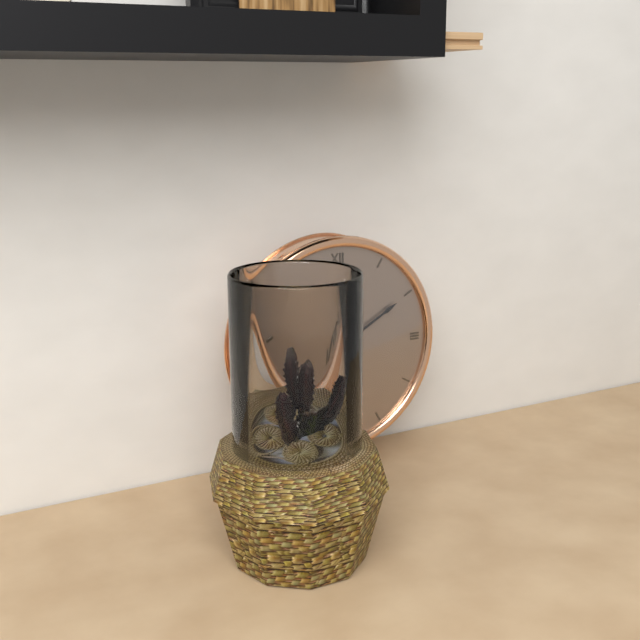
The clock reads 10 h 10 min
